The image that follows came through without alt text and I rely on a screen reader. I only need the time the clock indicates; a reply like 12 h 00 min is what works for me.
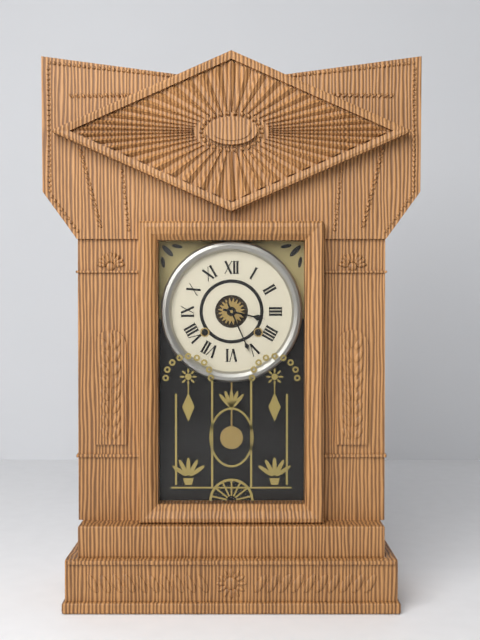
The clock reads 3 h 26 min
